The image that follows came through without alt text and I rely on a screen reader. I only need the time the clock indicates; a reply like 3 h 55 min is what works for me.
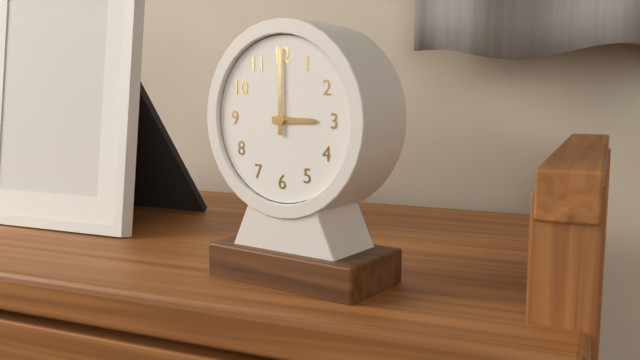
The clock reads 3 h 00 min
